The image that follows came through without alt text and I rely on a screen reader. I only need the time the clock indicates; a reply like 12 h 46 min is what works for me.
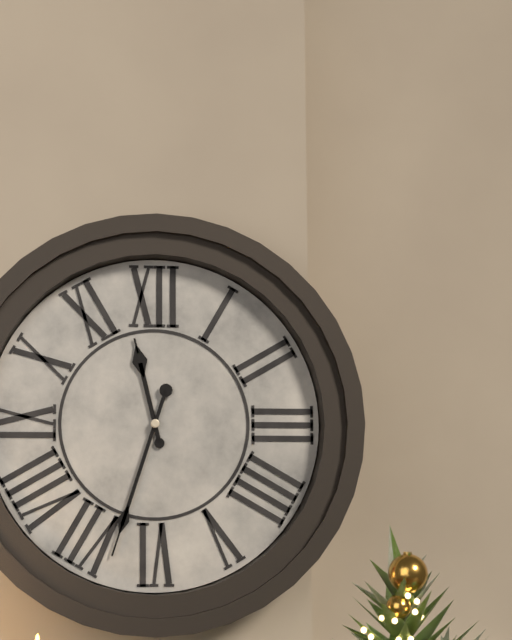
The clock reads 11 h 33 min
